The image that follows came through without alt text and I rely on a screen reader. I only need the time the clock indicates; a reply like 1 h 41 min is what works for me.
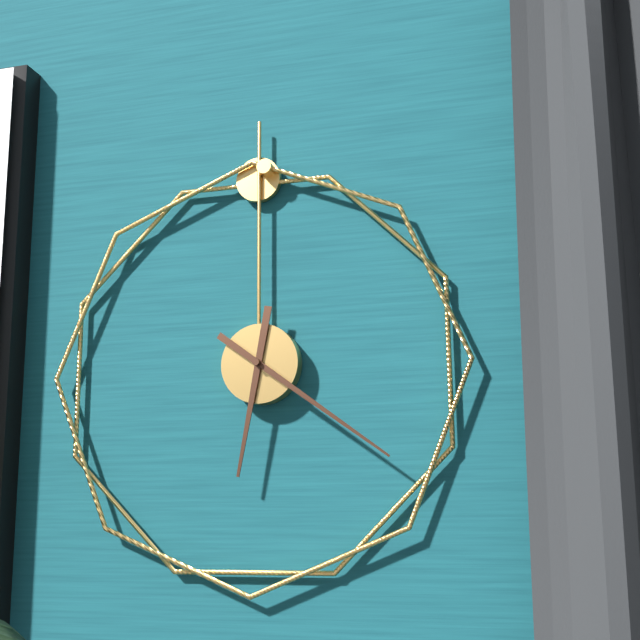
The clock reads 6 h 21 min
